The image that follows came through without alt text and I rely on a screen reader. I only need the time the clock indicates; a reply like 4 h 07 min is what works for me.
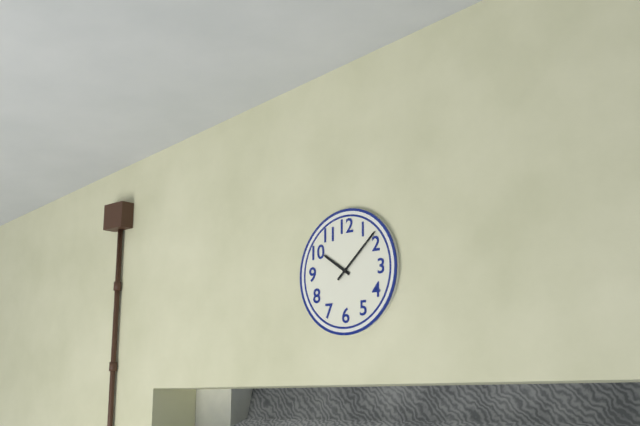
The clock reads 10 h 08 min
